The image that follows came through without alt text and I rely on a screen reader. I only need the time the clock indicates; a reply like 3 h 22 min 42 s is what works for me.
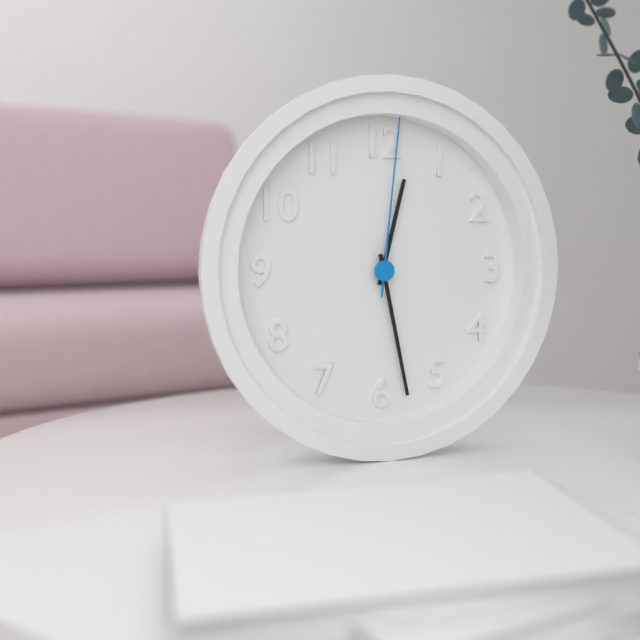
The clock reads 12 h 28 min 01 s
